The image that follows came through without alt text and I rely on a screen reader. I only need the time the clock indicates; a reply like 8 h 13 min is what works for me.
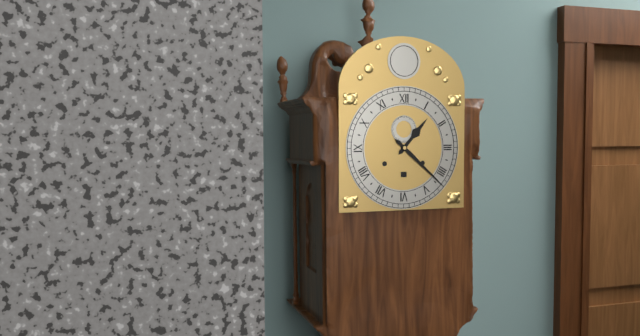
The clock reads 1 h 22 min
